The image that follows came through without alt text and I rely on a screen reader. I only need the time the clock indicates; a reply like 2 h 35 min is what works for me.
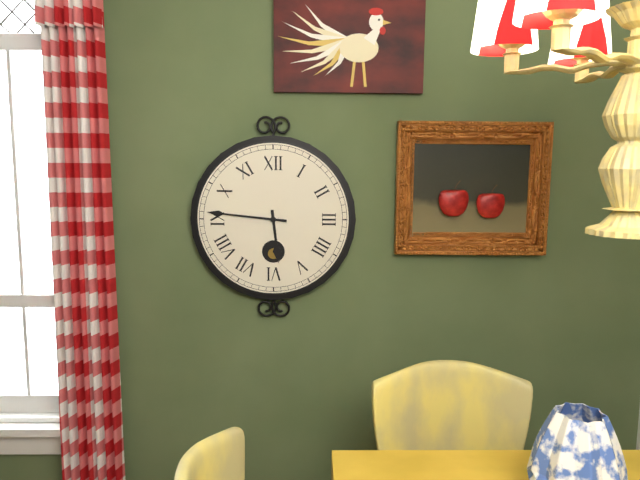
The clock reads 5 h 46 min
